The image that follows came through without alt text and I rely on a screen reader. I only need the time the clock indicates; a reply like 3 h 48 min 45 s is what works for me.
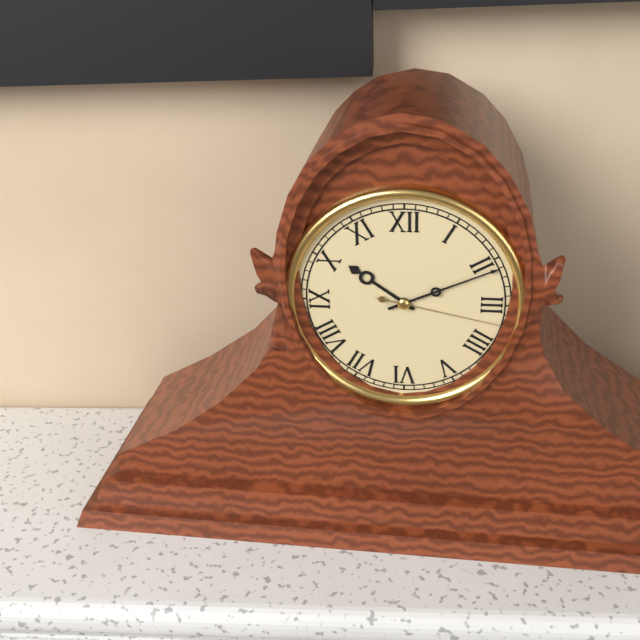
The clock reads 10 h 11 min 17 s
